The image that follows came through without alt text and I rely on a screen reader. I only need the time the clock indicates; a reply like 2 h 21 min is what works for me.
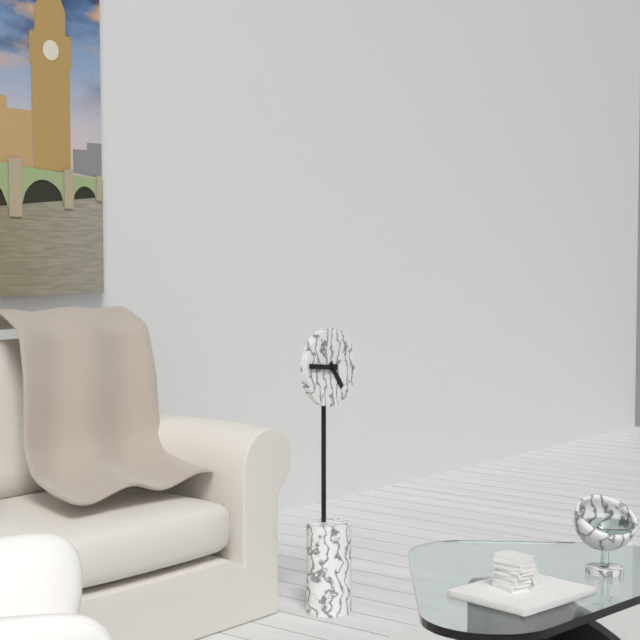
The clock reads 4 h 46 min
